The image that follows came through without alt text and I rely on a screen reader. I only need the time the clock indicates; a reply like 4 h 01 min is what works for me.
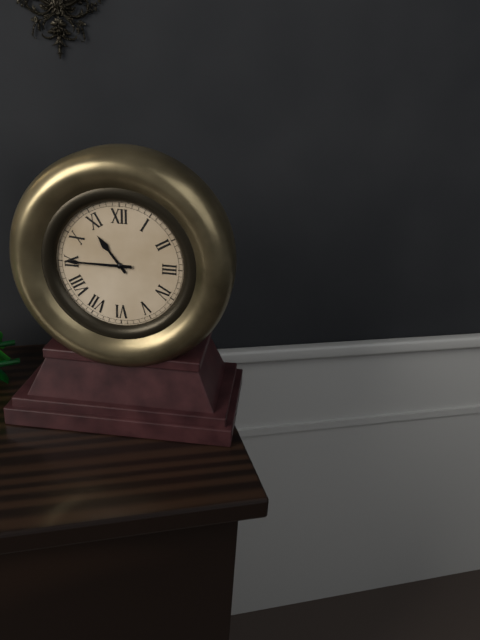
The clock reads 10 h 45 min
